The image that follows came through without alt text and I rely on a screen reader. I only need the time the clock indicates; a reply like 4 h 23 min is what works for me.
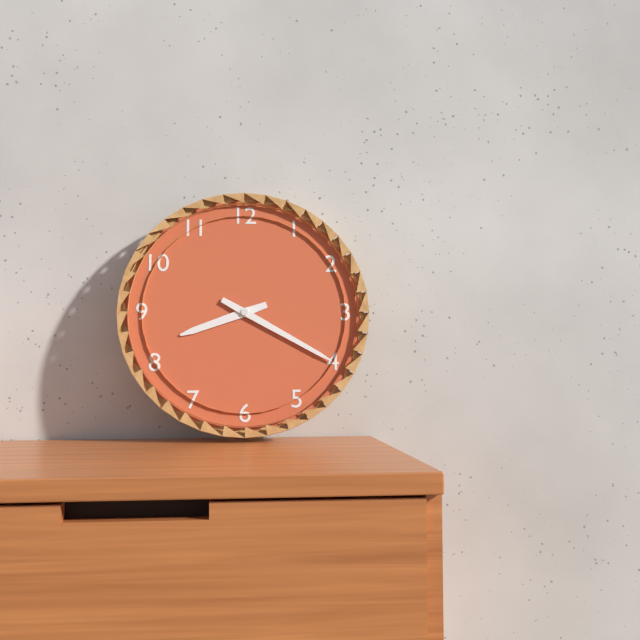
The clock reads 8 h 20 min
